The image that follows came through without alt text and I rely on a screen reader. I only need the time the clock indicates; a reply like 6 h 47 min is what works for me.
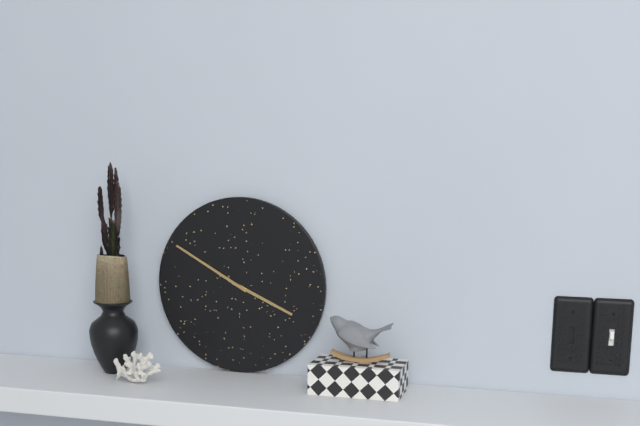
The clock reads 3 h 50 min
